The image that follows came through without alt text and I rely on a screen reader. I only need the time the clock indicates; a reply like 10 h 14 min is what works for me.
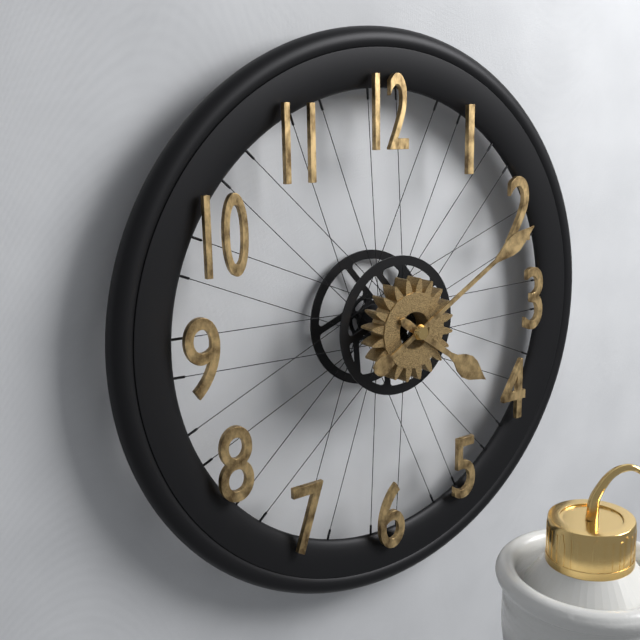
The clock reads 4 h 10 min
